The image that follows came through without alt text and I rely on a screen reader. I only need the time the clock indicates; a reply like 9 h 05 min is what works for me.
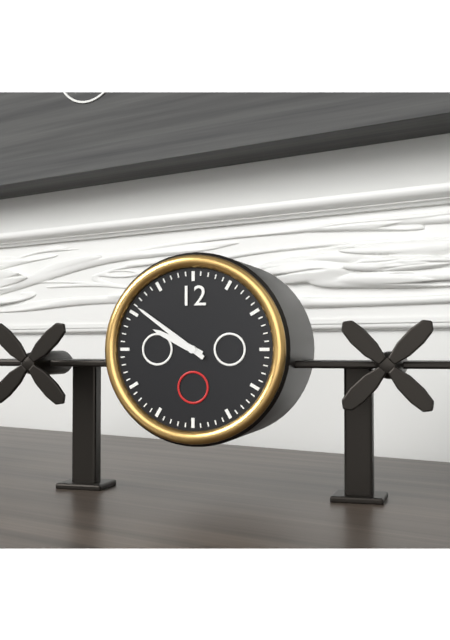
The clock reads 9 h 51 min
